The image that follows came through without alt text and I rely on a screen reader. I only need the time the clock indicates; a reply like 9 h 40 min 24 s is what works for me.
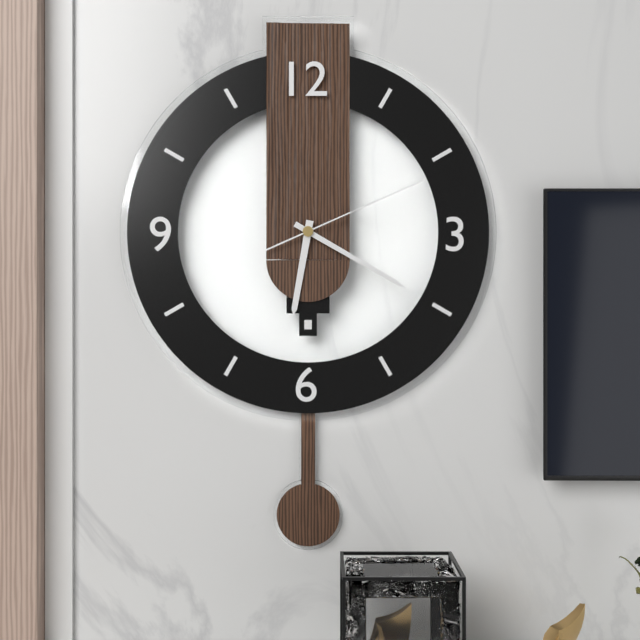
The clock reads 6 h 20 min 11 s
